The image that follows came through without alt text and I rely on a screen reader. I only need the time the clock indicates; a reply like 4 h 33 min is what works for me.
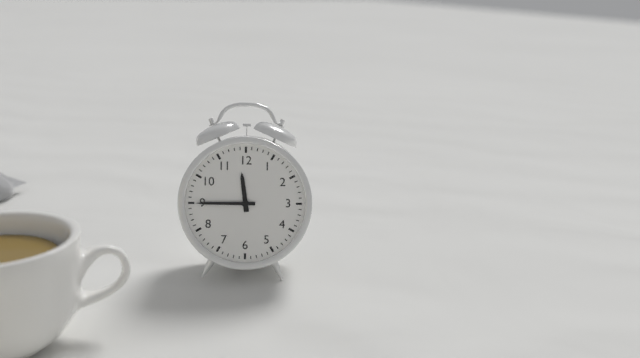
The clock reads 11 h 45 min
